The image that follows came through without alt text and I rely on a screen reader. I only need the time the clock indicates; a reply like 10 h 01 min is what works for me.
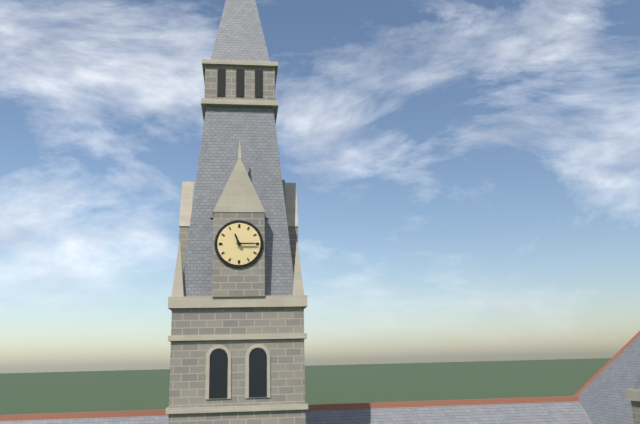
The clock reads 11 h 15 min
